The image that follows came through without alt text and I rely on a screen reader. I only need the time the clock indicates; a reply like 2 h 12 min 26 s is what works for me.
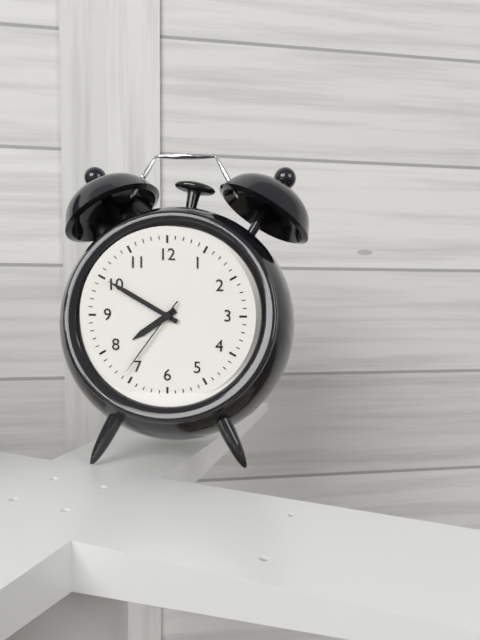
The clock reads 7 h 50 min 36 s
